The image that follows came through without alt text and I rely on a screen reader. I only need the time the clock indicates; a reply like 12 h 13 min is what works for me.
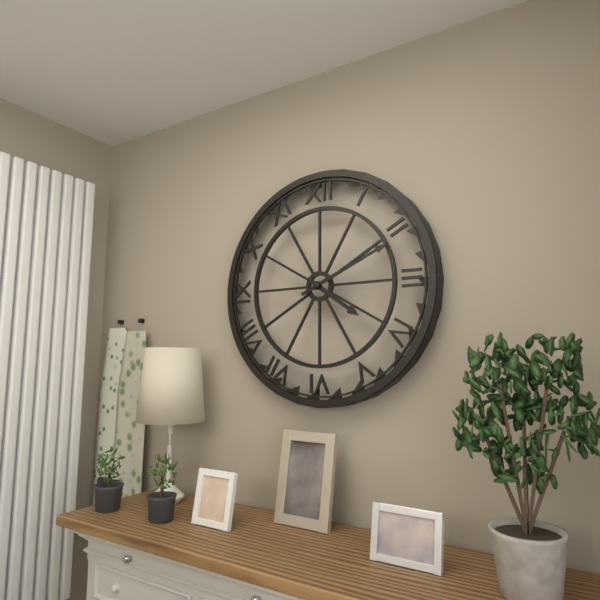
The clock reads 4 h 11 min
